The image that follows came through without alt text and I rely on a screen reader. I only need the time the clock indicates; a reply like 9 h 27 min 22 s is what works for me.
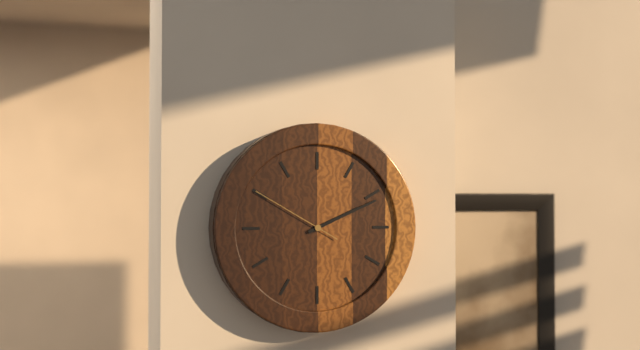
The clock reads 2 h 11 min 50 s
